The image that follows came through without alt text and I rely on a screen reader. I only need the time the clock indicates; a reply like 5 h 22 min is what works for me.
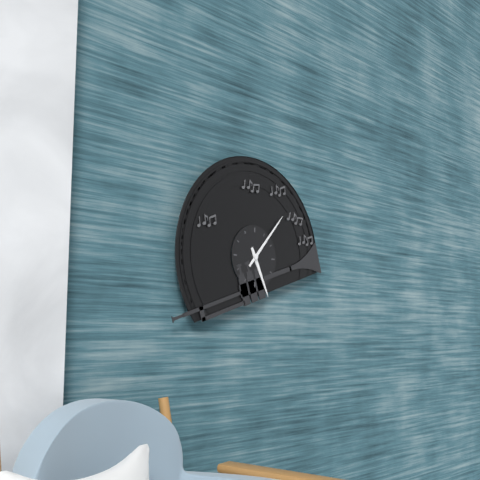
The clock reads 5 h 07 min
